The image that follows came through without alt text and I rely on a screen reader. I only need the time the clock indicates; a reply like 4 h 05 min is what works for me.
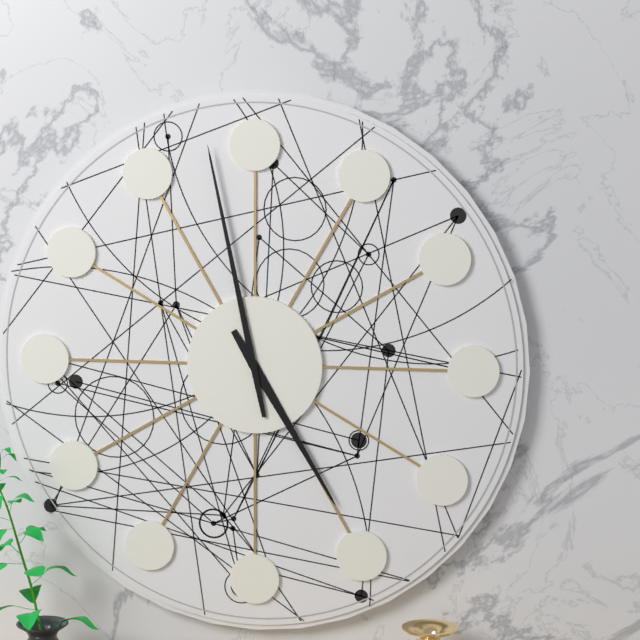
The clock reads 4 h 58 min
